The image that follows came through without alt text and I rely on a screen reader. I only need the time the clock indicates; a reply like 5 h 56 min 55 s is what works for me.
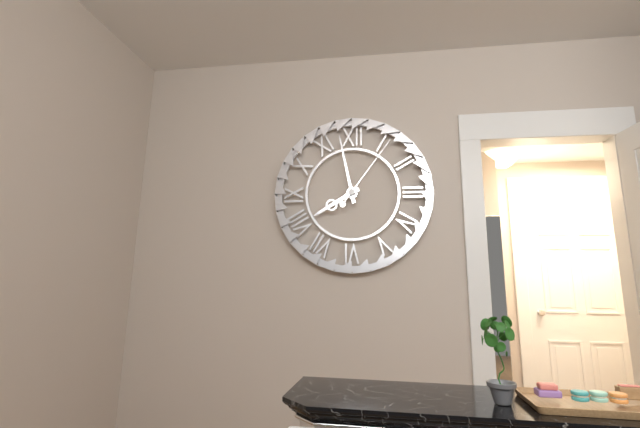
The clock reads 7 h 58 min 06 s
